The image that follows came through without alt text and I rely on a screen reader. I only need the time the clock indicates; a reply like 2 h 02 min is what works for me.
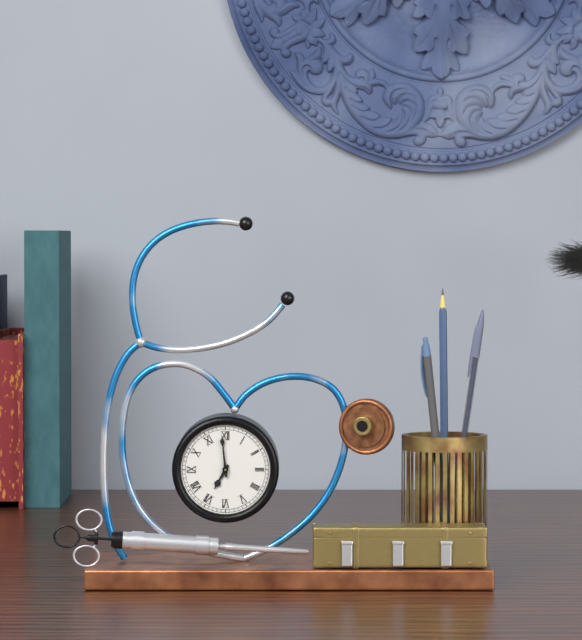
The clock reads 6 h 59 min
